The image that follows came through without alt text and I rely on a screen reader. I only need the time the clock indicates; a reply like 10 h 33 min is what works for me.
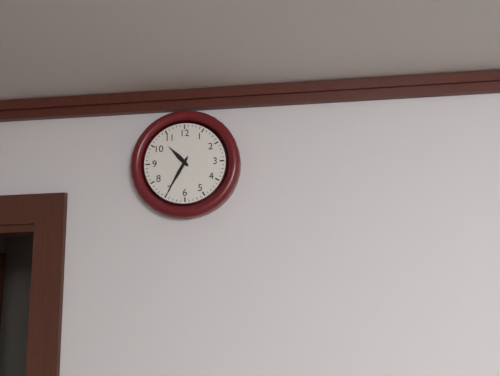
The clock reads 10 h 35 min
